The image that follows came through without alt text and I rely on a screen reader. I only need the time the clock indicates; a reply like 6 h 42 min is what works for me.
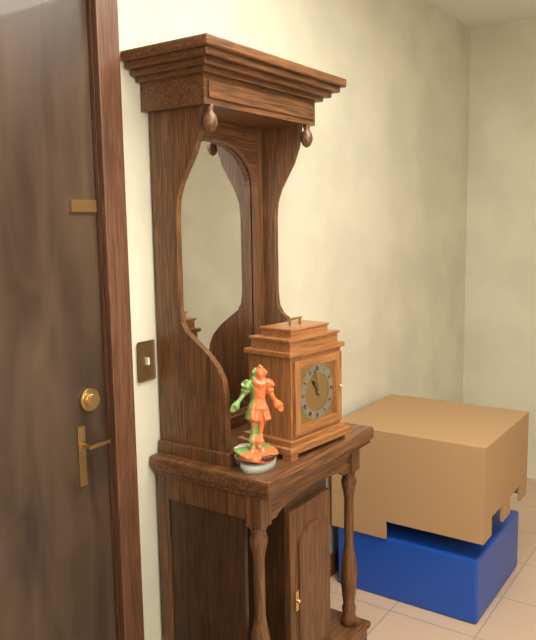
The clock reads 10 h 58 min
